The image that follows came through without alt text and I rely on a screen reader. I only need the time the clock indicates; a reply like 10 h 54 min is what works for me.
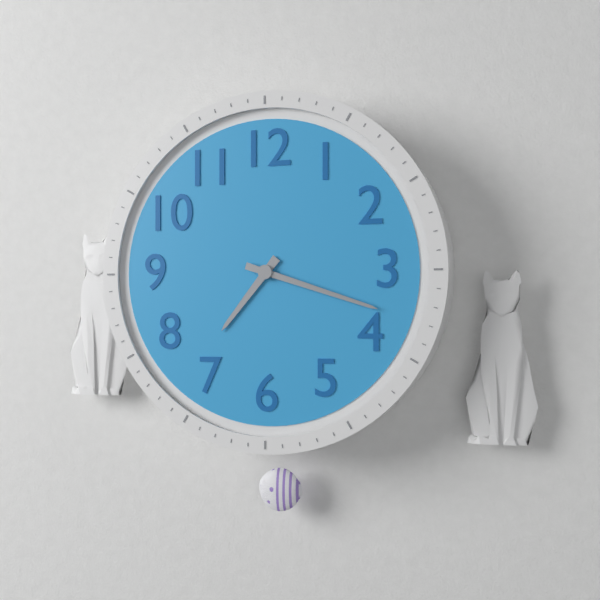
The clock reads 7 h 18 min
